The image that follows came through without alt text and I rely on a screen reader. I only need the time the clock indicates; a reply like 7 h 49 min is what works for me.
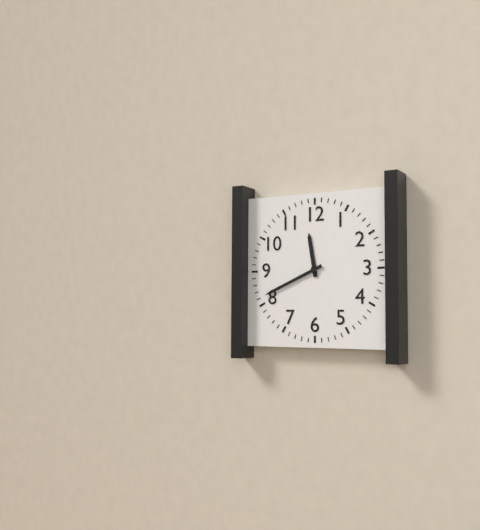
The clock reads 11 h 41 min
